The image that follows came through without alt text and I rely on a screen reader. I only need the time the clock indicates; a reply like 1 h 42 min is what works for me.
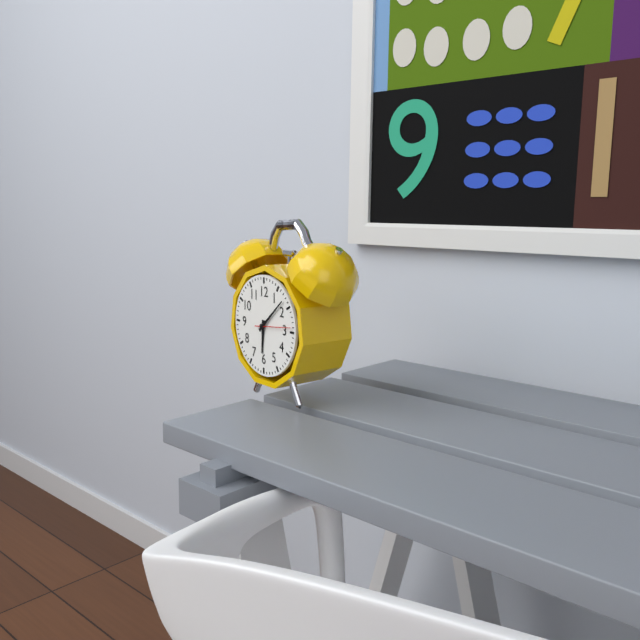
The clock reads 6 h 08 min
